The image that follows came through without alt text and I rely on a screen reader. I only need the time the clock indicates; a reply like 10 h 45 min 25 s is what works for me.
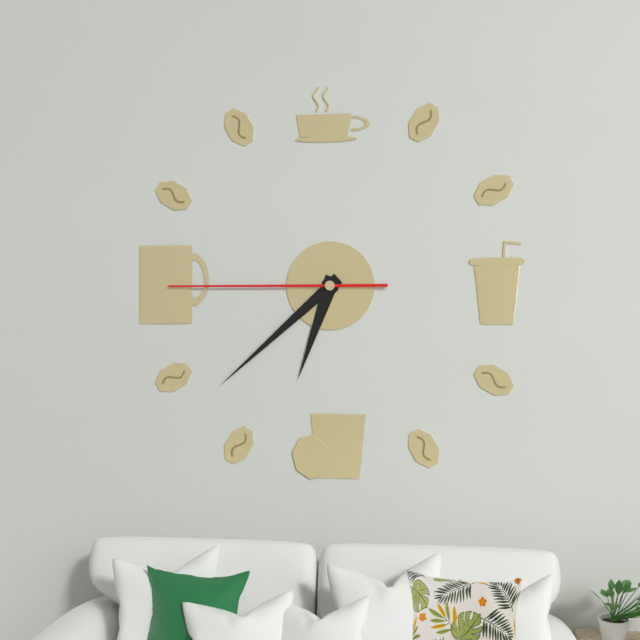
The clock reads 6 h 38 min 45 s
